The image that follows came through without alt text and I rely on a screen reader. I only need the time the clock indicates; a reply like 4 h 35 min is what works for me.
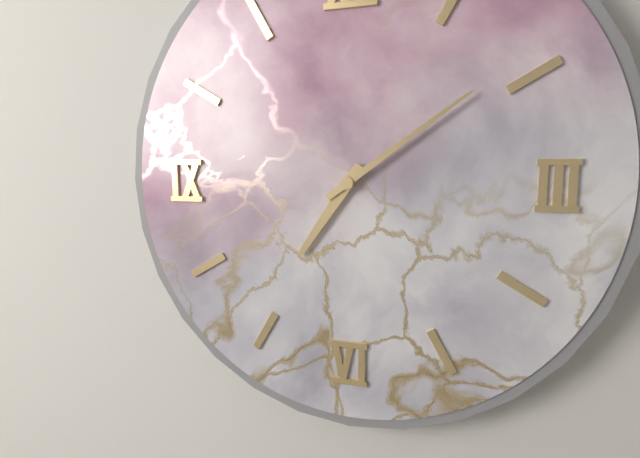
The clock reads 7 h 09 min
